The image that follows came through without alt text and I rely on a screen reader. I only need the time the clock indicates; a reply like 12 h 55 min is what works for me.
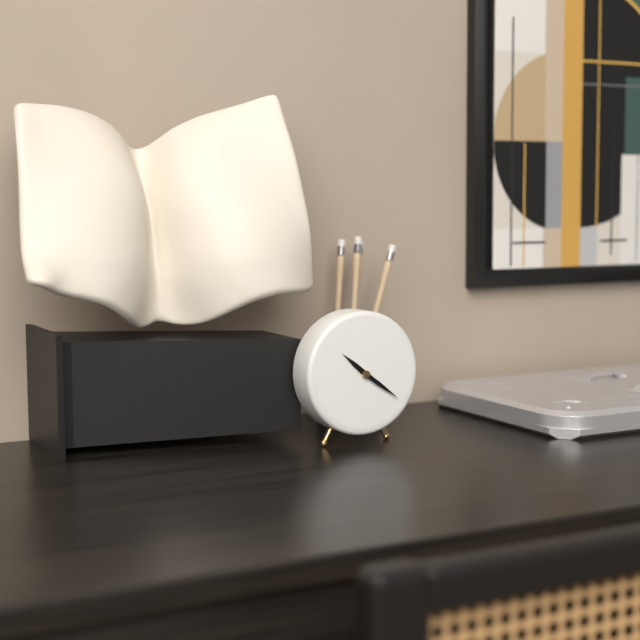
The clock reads 10 h 21 min
